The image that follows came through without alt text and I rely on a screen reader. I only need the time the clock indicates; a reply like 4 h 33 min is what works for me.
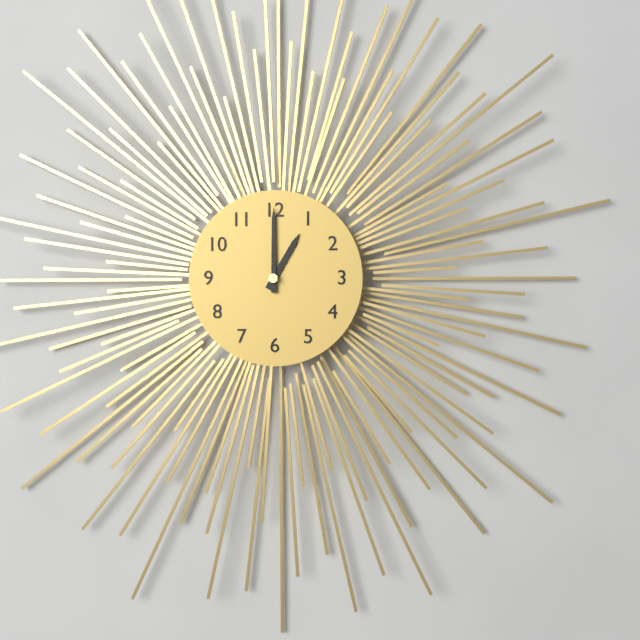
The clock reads 1 h 00 min
